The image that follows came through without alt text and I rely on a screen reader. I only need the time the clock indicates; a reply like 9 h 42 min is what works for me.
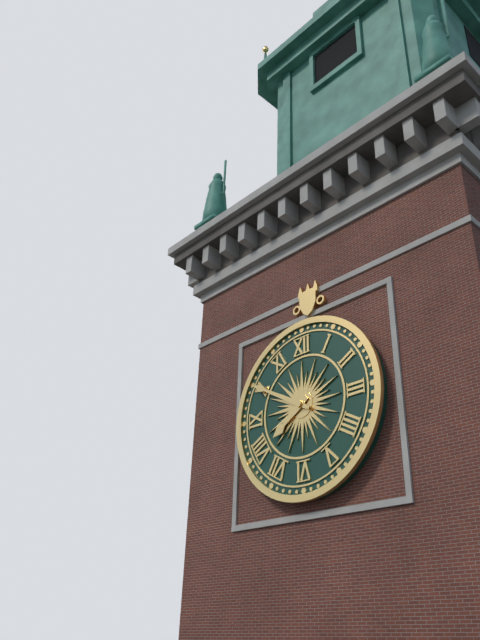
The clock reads 7 h 50 min
